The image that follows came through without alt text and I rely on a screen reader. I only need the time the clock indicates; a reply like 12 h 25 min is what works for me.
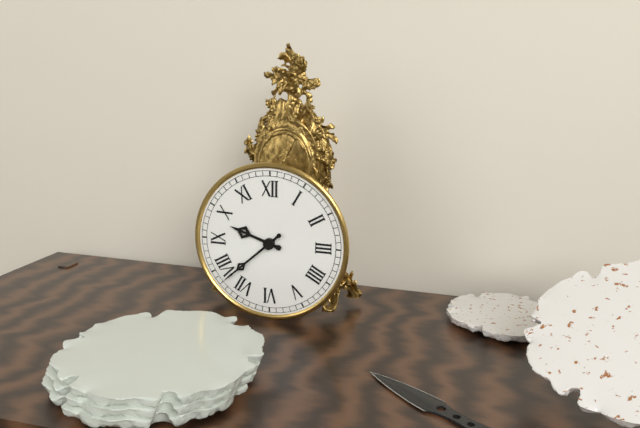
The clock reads 9 h 38 min
